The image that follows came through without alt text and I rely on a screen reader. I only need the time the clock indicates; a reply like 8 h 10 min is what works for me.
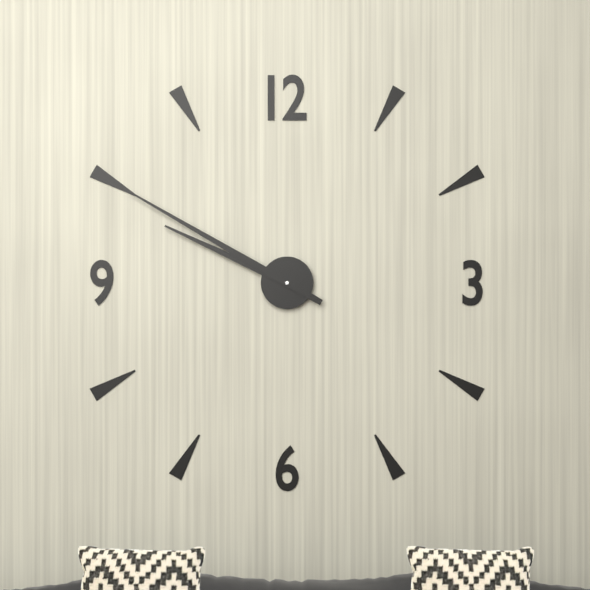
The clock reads 9 h 50 min
